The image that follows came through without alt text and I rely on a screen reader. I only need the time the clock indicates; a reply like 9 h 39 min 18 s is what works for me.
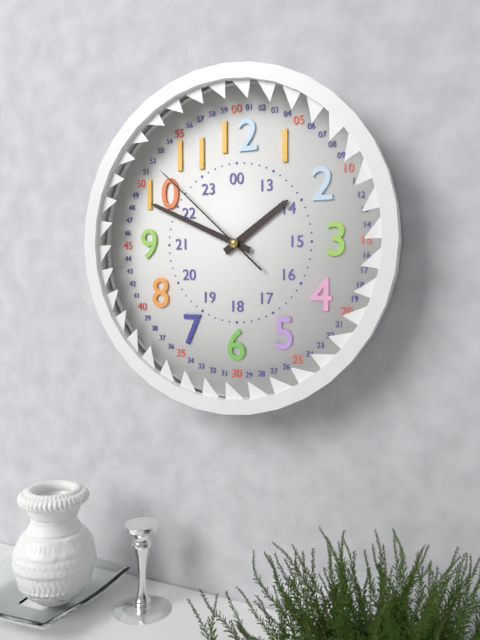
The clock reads 1 h 49 min 52 s
